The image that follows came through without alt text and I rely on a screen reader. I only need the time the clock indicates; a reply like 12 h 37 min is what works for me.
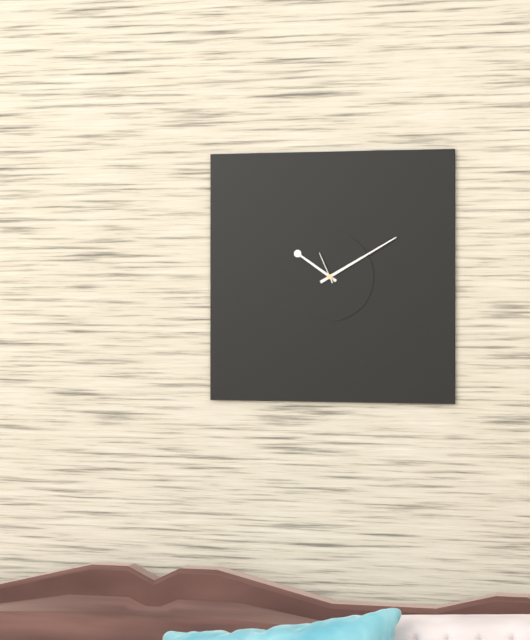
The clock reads 10 h 10 min
